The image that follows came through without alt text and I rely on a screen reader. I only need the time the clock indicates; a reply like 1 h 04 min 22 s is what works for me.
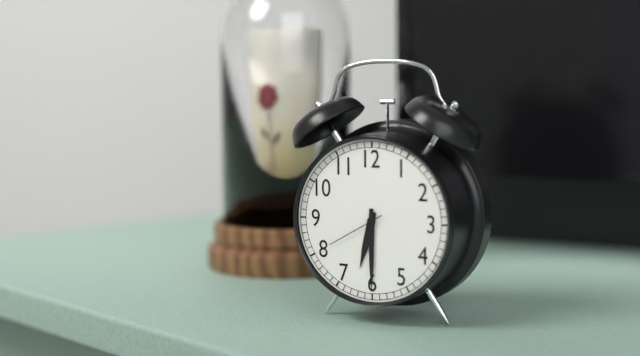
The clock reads 6 h 30 min 40 s
